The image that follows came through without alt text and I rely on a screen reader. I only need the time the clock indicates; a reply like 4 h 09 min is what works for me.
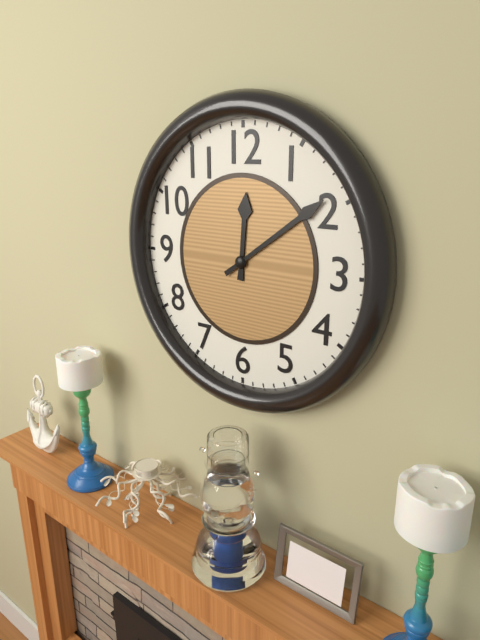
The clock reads 12 h 09 min
